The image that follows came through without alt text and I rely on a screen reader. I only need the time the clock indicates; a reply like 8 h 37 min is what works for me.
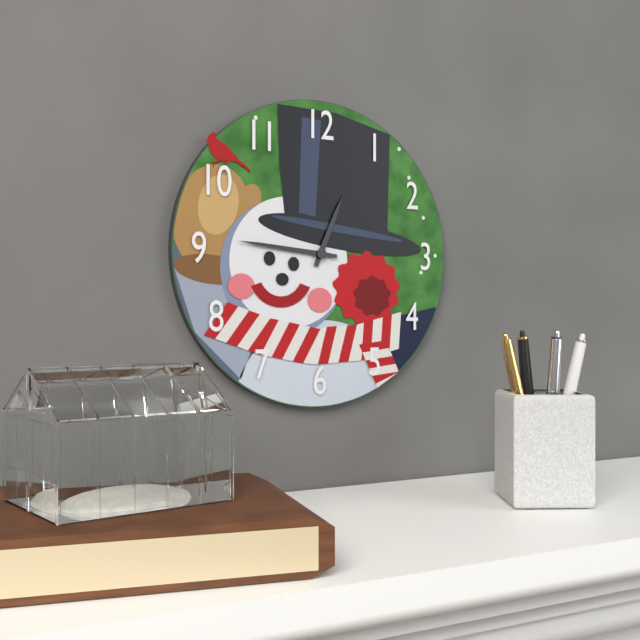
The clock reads 12 h 46 min
